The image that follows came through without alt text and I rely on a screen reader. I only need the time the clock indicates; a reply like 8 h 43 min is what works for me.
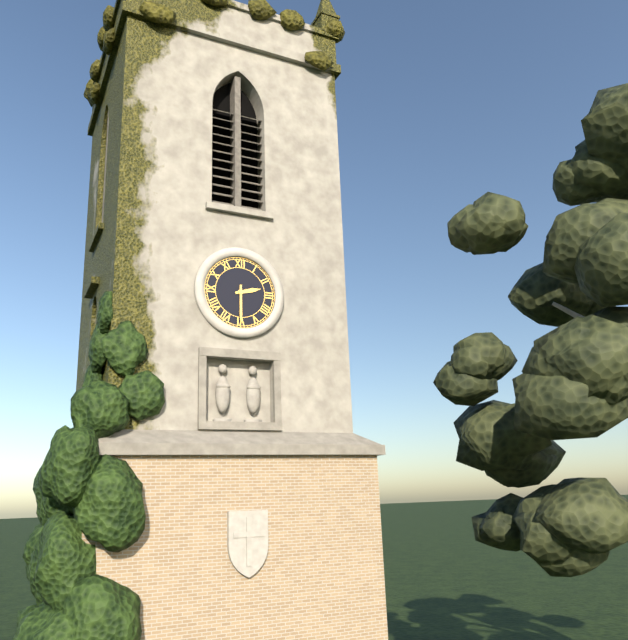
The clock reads 2 h 30 min
